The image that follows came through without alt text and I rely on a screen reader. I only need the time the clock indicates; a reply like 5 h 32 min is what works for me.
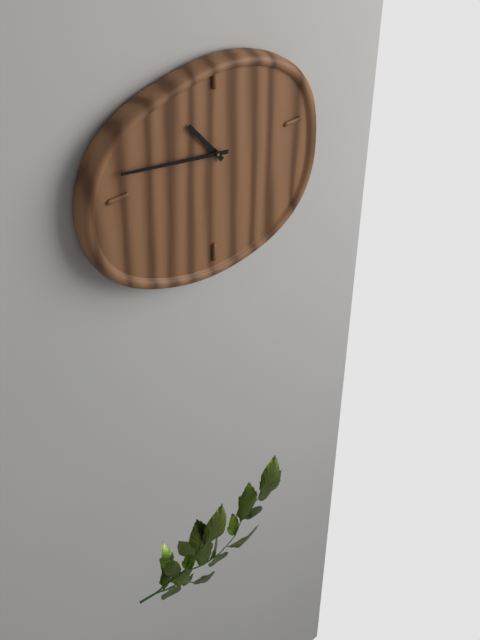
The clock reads 10 h 47 min
